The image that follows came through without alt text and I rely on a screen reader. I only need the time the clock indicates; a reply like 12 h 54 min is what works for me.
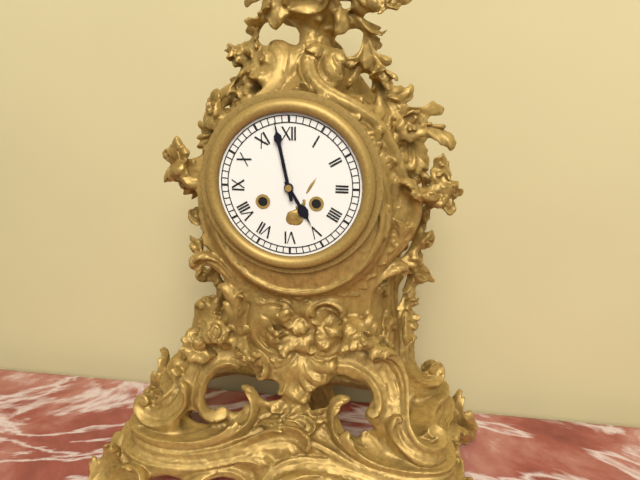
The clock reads 4 h 58 min
